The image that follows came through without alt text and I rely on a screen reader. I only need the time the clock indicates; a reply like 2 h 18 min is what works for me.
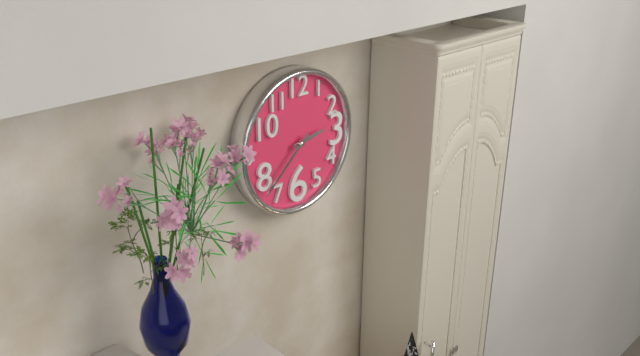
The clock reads 2 h 38 min
